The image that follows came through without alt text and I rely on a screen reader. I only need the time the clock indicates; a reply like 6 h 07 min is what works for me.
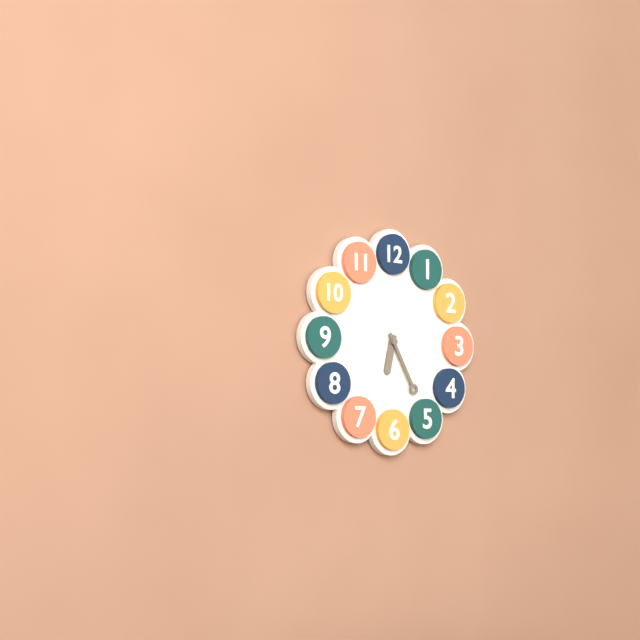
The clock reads 6 h 25 min
